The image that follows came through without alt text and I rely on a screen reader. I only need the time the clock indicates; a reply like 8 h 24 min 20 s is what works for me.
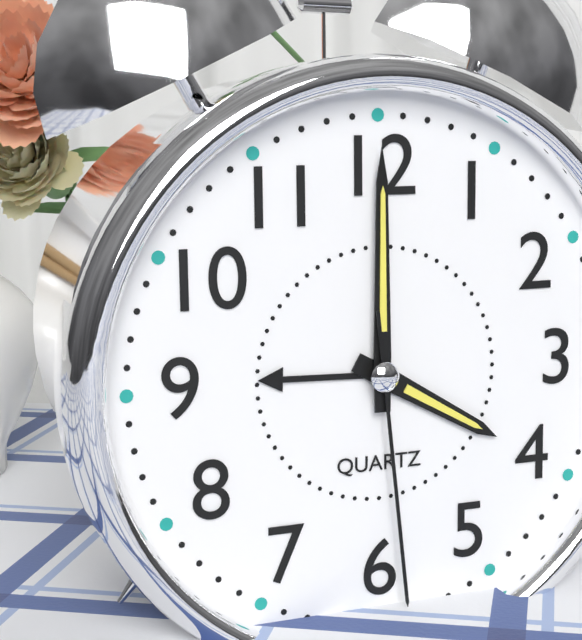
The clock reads 4 h 00 min 29 s
